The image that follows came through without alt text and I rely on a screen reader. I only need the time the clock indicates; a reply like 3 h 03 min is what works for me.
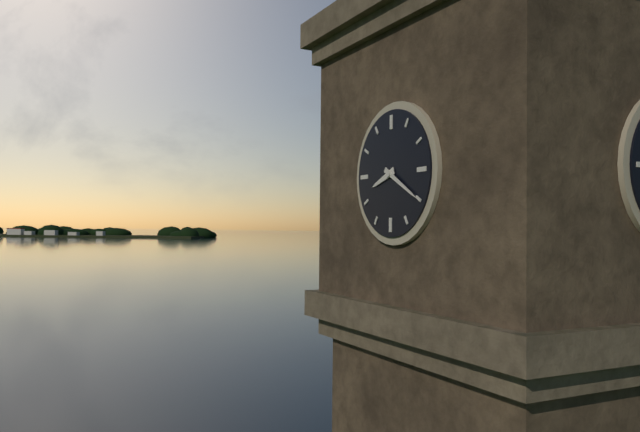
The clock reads 8 h 20 min
